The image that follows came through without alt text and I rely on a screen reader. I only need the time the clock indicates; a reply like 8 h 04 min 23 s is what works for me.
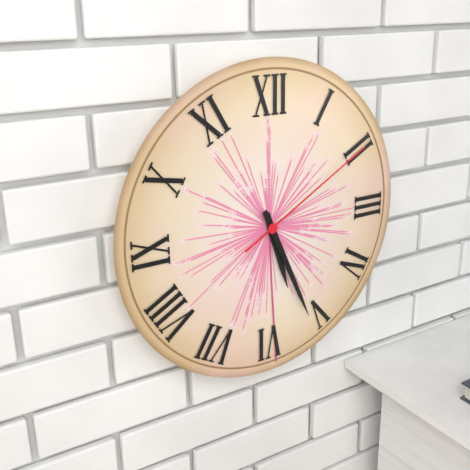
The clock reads 5 h 26 min 10 s
